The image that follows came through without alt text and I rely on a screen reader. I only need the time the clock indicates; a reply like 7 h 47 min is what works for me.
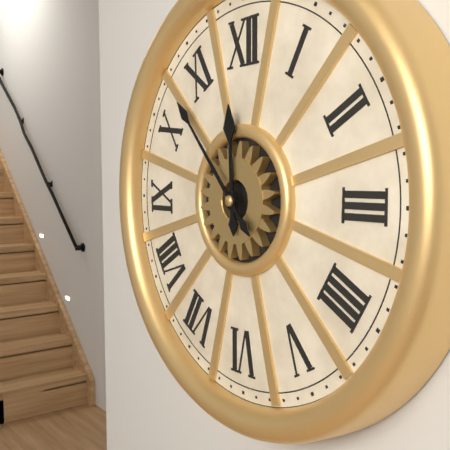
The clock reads 11 h 53 min
